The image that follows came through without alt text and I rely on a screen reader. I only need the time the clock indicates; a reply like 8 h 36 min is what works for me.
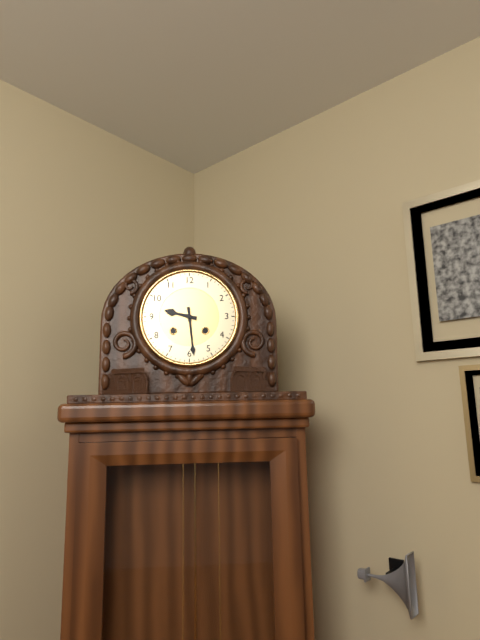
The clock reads 9 h 29 min
